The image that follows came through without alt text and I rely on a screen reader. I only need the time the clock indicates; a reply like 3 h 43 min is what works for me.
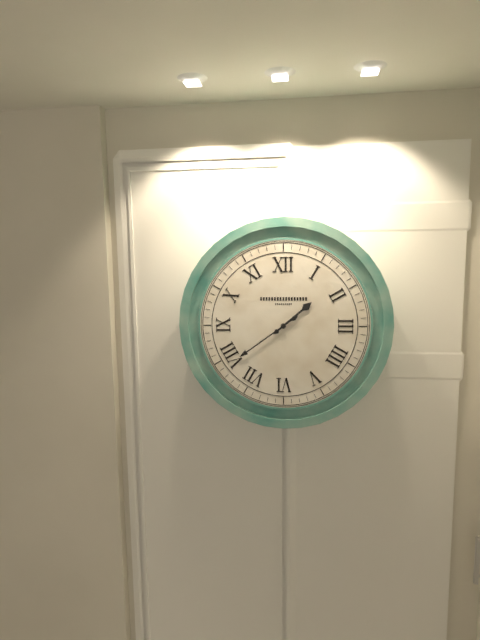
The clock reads 1 h 39 min
